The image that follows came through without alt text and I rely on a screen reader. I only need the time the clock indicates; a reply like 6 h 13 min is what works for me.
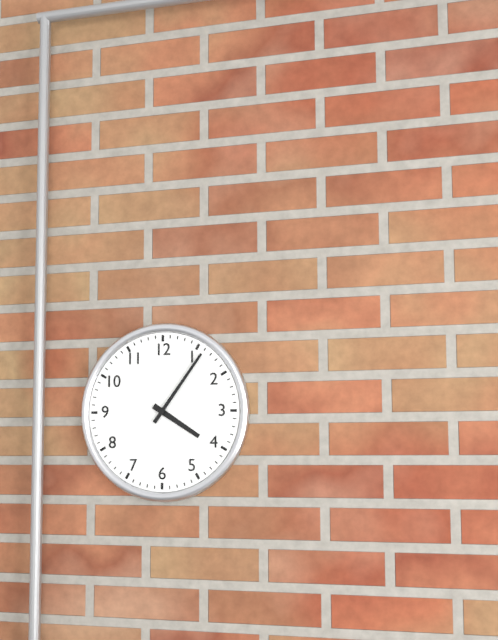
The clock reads 4 h 06 min
